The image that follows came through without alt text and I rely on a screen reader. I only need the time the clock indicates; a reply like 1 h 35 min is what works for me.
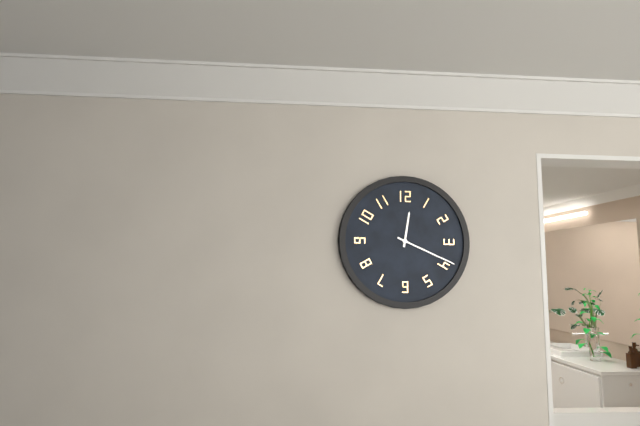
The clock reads 12 h 19 min
